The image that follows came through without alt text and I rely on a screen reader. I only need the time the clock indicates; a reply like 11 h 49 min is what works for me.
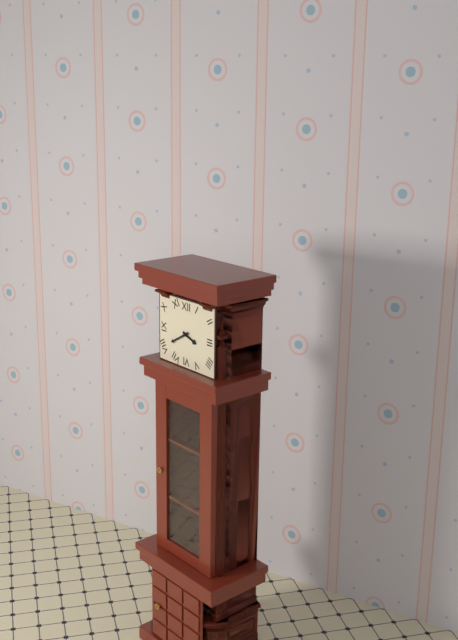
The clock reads 3 h 40 min
